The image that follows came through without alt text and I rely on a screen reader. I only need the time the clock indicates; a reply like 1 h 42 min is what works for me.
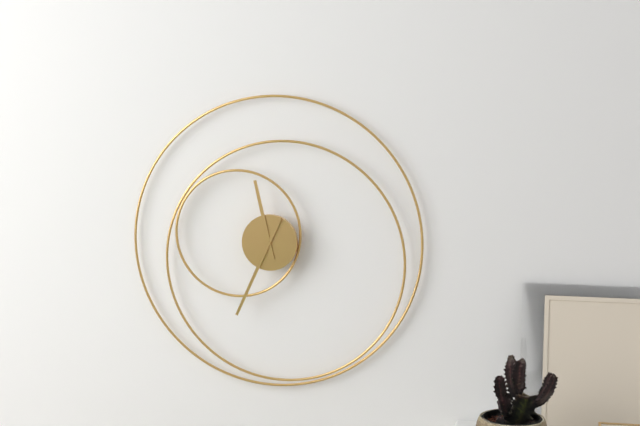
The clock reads 11 h 34 min
